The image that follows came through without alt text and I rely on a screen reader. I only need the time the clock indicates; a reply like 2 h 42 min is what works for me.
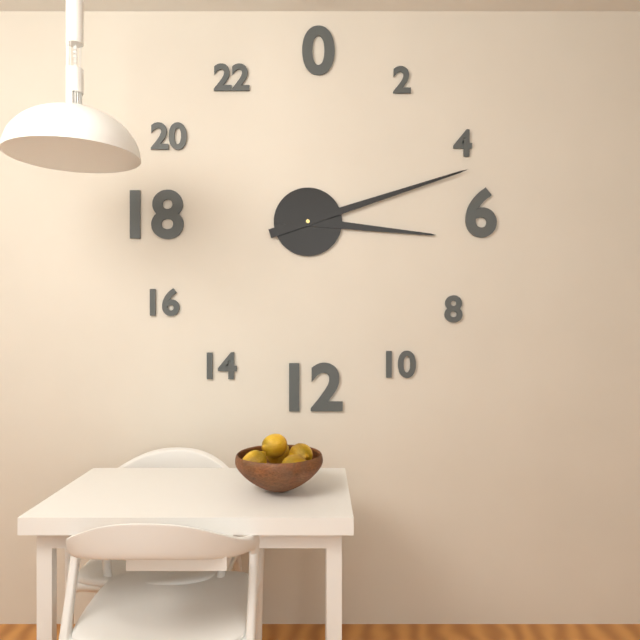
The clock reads 3 h 12 min
